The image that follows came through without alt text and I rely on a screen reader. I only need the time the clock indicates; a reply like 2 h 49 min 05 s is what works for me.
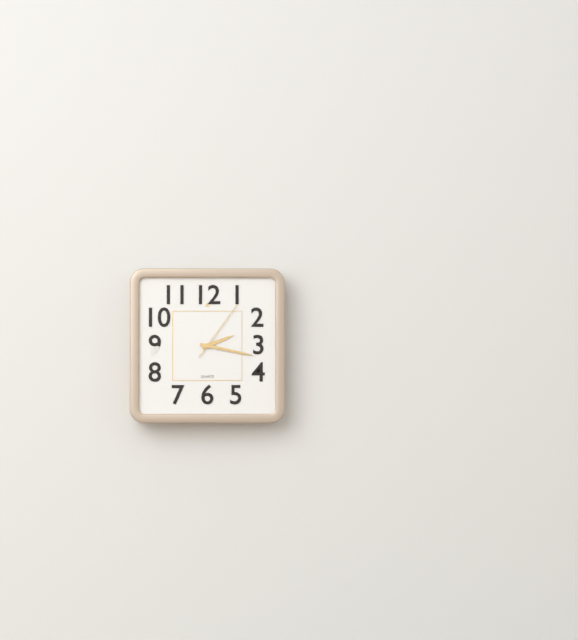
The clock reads 2 h 17 min 06 s
